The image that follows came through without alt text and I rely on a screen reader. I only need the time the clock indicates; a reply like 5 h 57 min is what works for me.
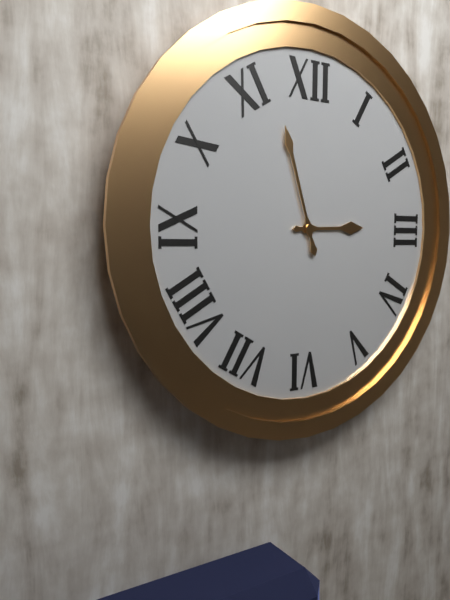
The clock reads 2 h 57 min
